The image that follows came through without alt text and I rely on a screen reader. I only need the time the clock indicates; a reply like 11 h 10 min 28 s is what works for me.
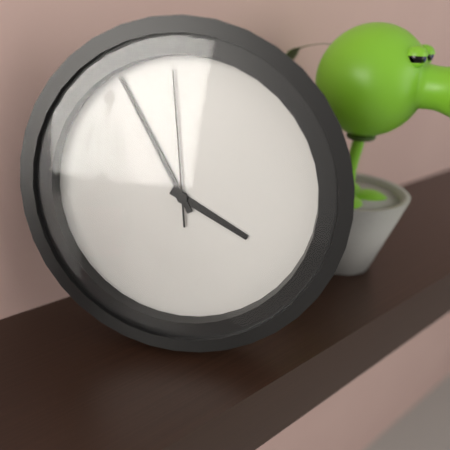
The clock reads 3 h 55 min 59 s
